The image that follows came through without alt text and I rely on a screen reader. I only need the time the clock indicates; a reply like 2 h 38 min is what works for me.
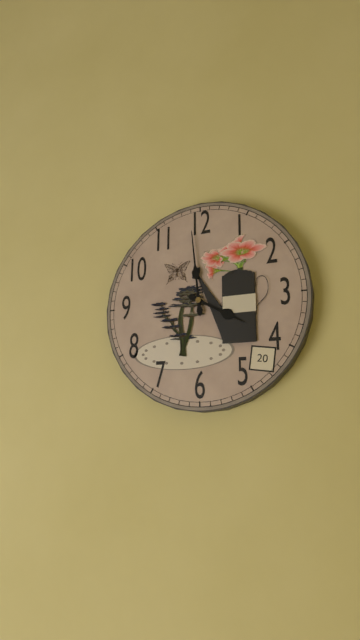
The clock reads 3 h 59 min
